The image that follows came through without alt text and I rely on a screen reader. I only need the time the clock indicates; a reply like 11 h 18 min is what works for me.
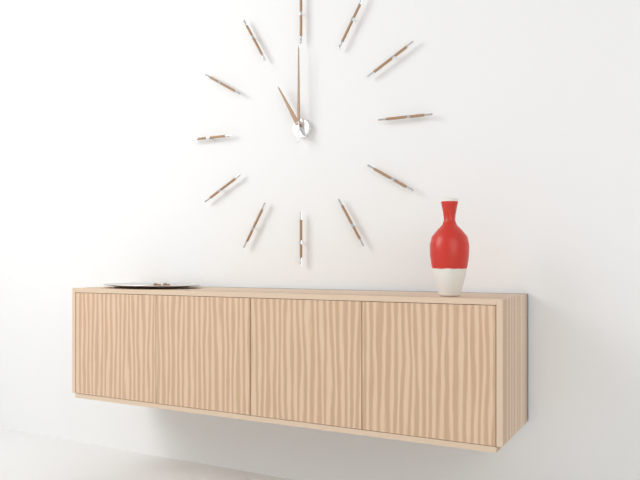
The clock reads 11 h 00 min
